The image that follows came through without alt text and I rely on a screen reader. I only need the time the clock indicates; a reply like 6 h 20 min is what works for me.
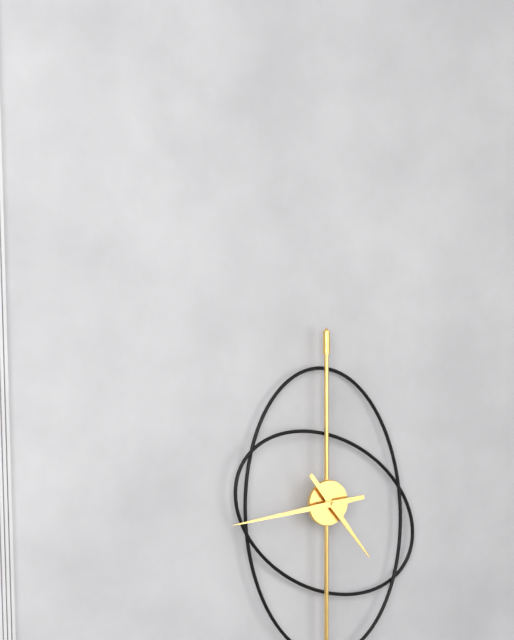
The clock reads 4 h 44 min
